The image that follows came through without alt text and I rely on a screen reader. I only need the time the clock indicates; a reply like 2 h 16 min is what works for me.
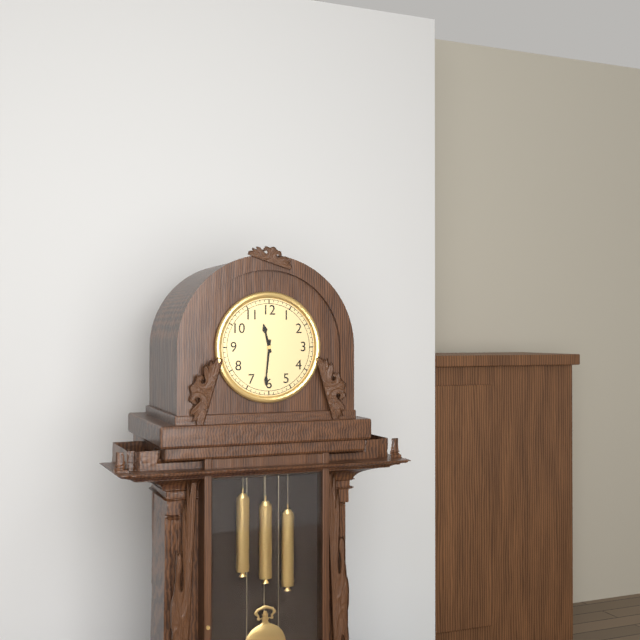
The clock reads 11 h 31 min
